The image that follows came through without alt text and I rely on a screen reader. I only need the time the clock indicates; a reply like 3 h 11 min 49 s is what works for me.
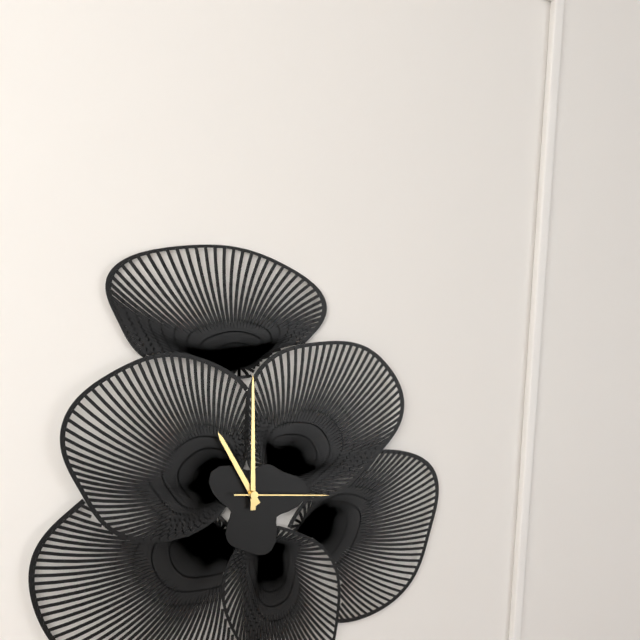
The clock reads 11 h 00 min 16 s
